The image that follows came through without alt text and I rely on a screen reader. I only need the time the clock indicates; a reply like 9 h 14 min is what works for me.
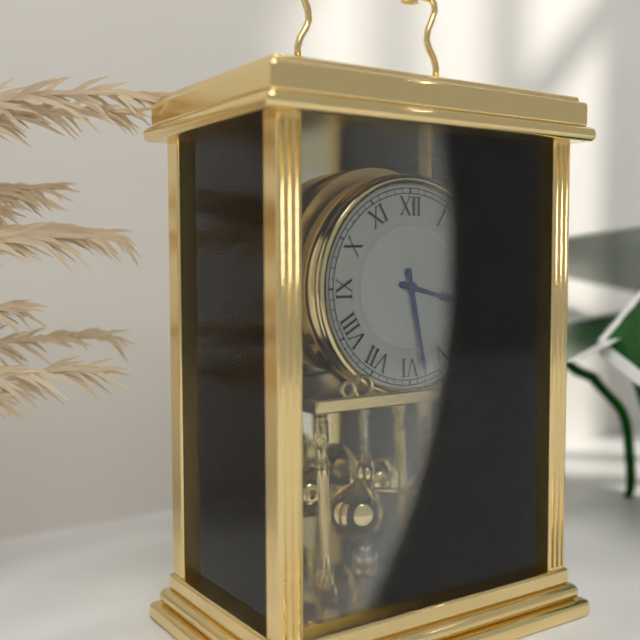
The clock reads 3 h 28 min
